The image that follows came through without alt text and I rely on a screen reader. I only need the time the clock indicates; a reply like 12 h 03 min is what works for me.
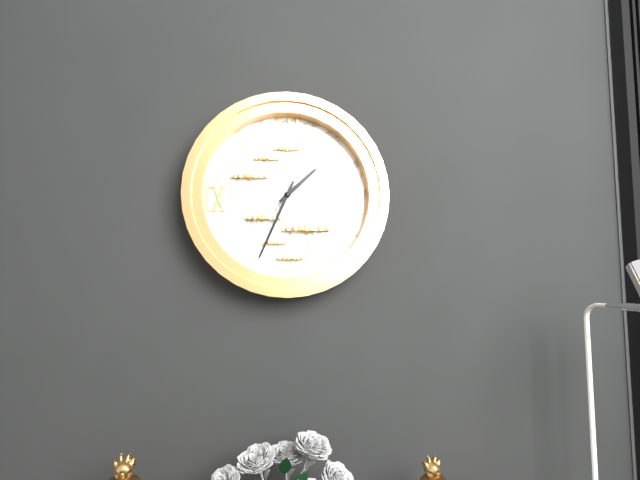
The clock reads 1 h 34 min
